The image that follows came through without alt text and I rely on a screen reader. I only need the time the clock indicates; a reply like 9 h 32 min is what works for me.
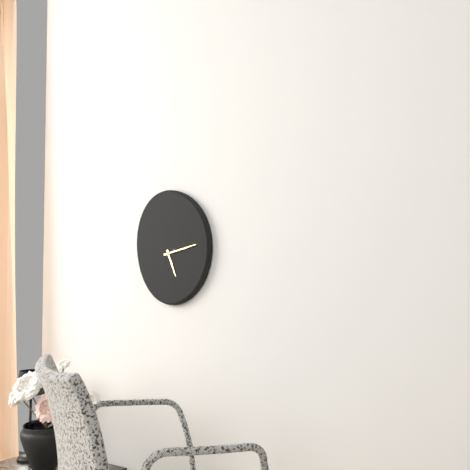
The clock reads 5 h 13 min
